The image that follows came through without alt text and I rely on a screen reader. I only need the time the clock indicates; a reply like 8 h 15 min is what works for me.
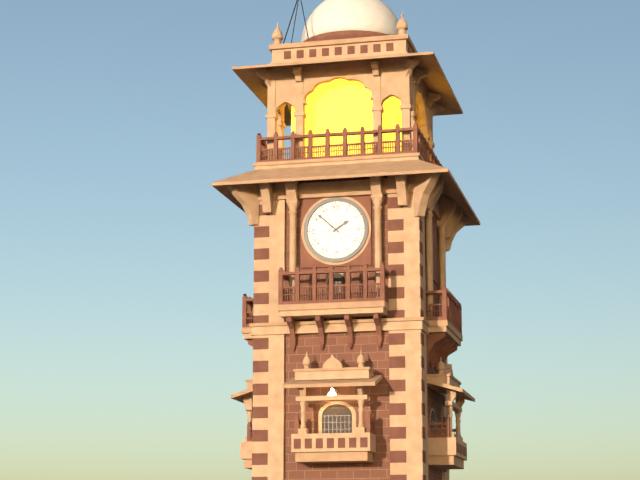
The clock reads 1 h 52 min
